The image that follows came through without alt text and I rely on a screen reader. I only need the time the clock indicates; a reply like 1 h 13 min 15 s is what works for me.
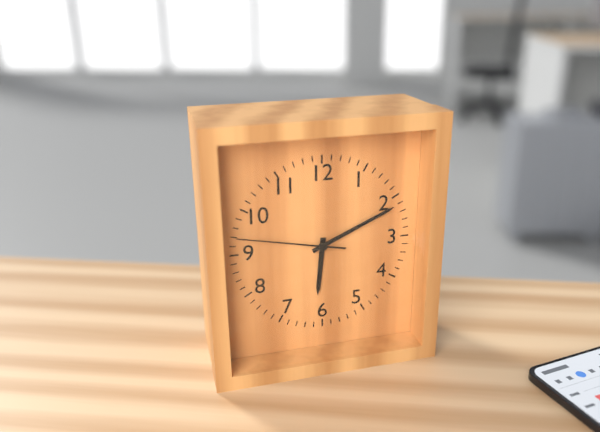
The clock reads 6 h 11 min 47 s
